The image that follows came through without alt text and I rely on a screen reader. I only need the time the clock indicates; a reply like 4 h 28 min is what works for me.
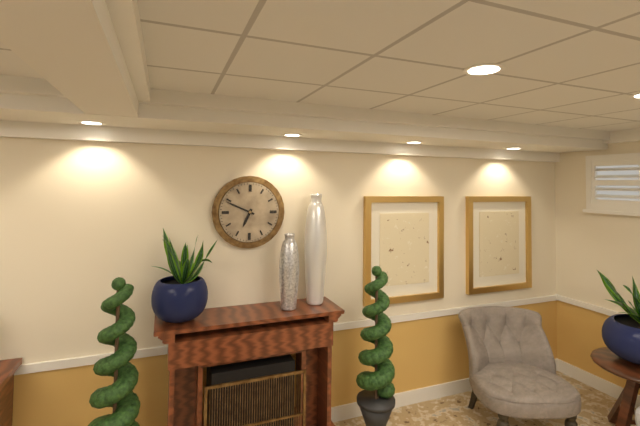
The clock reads 6 h 49 min
